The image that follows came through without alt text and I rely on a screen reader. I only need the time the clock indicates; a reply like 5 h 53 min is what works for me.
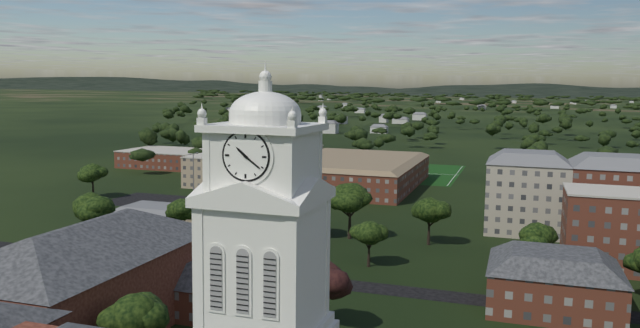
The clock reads 10 h 21 min
